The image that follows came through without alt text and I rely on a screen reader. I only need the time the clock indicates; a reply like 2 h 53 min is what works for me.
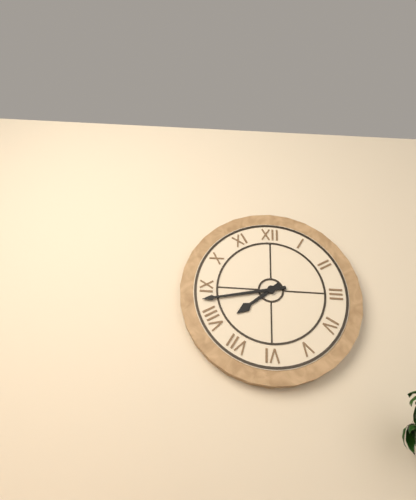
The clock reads 7 h 43 min
